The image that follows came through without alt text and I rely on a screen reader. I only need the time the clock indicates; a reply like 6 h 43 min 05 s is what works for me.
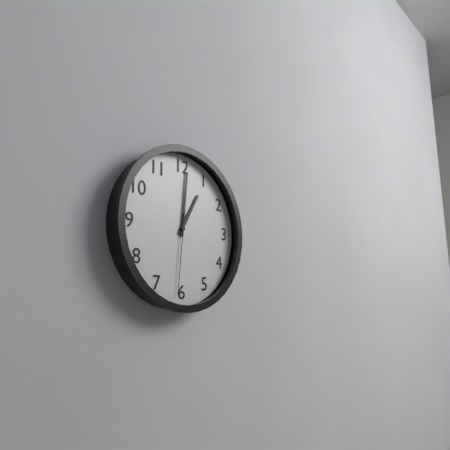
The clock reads 1 h 01 min 31 s
